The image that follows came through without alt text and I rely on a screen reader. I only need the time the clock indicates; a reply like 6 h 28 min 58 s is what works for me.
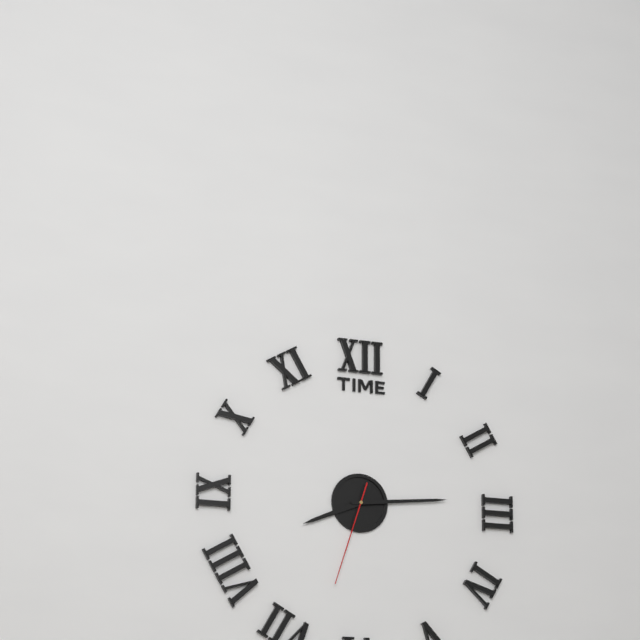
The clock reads 8 h 14 min 33 s
